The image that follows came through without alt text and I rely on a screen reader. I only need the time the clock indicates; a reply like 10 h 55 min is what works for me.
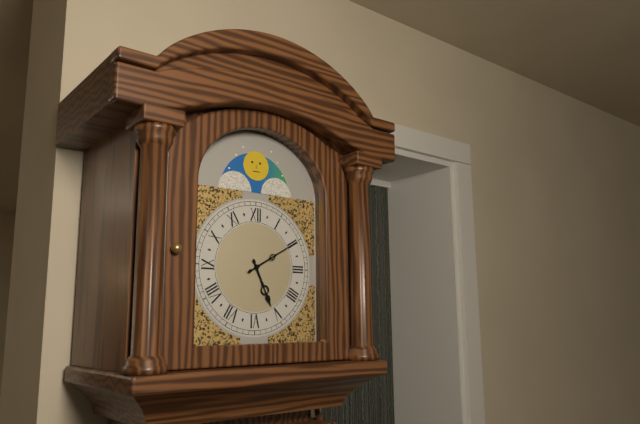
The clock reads 5 h 10 min
